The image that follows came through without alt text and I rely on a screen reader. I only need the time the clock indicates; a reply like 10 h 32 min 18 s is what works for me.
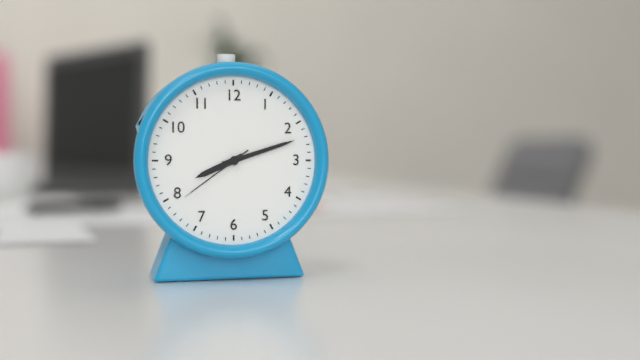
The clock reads 8 h 12 min 39 s
